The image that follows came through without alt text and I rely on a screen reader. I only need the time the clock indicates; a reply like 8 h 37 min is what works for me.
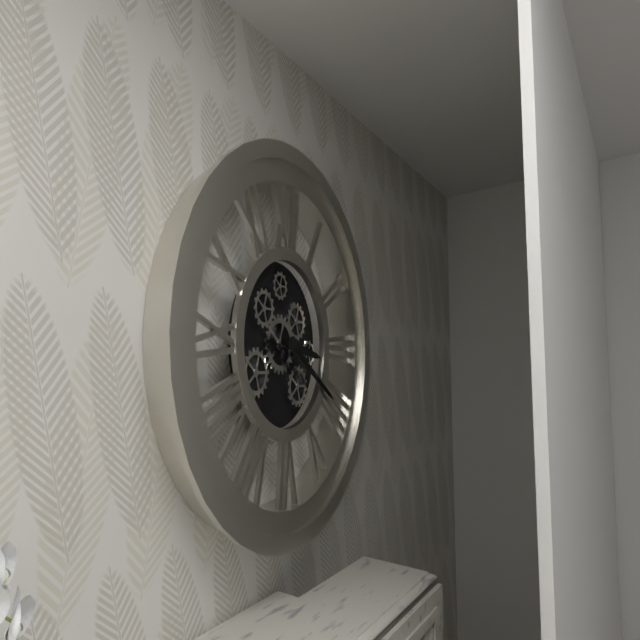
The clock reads 3 h 20 min
